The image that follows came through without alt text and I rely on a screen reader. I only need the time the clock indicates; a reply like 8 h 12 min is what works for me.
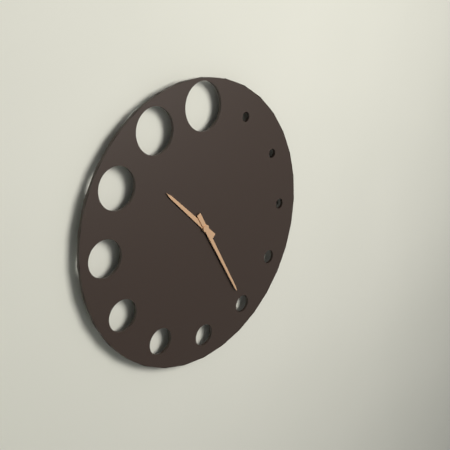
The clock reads 10 h 25 min
